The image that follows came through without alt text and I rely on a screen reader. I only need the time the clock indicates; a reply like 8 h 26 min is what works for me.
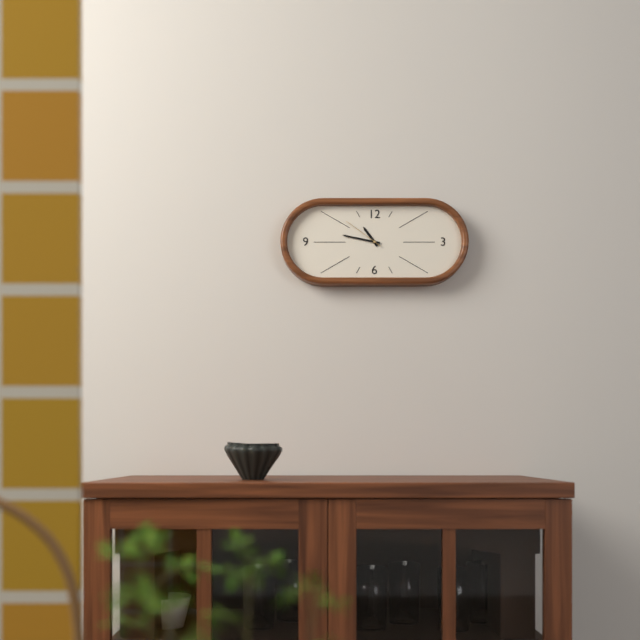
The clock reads 10 h 47 min
